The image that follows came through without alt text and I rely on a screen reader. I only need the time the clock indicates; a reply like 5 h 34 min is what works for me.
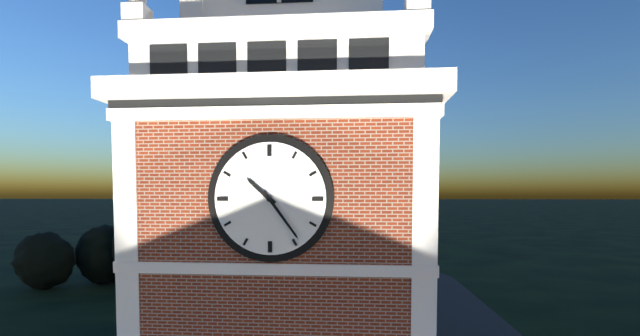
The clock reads 10 h 24 min
